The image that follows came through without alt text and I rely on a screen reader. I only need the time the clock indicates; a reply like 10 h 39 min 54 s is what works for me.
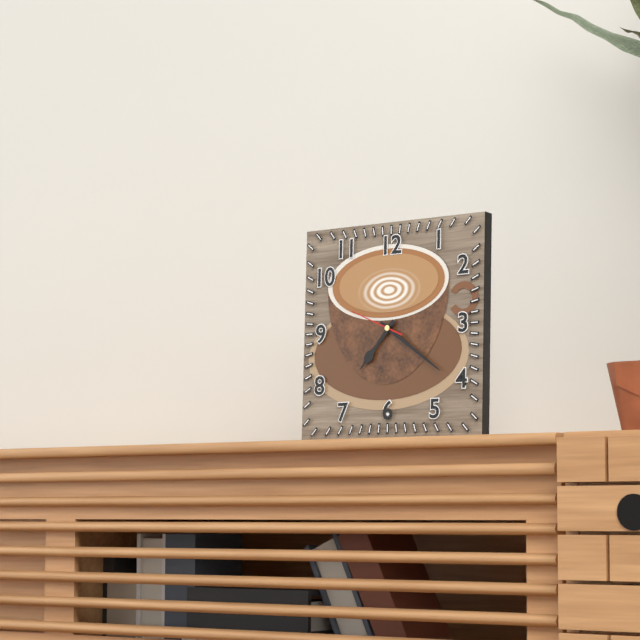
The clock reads 7 h 21 min 49 s
